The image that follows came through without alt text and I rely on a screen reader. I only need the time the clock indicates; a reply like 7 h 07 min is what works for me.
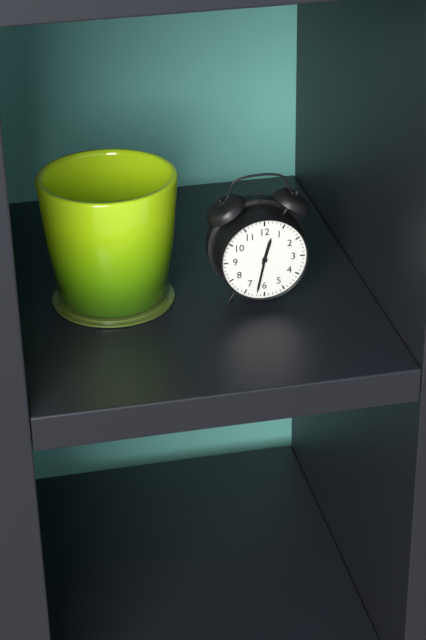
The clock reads 12 h 32 min
